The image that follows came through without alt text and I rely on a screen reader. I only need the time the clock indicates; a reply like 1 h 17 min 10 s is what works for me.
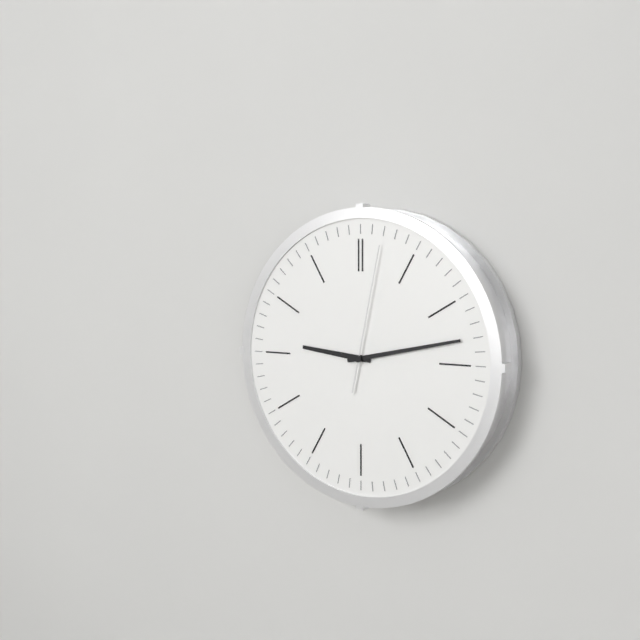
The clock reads 9 h 13 min 02 s
